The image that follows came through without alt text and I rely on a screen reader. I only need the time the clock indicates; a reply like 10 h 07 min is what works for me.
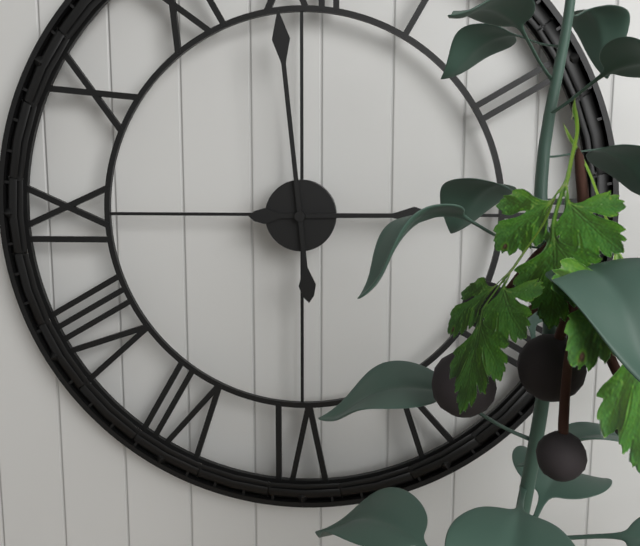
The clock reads 2 h 59 min
